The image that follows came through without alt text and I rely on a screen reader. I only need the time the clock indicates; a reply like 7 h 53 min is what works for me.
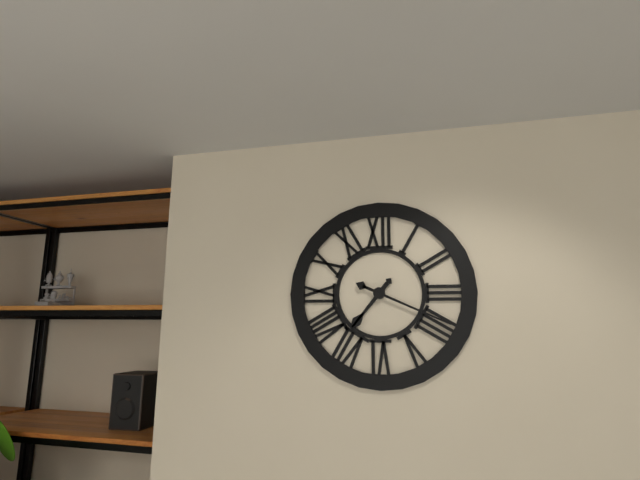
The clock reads 7 h 19 min
